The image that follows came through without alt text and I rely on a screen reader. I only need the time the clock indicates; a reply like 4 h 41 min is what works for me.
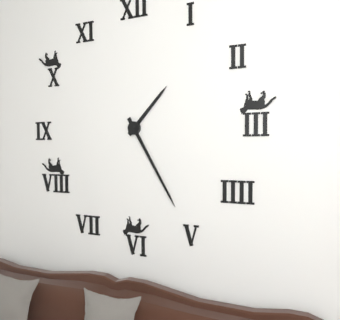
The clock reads 1 h 25 min
